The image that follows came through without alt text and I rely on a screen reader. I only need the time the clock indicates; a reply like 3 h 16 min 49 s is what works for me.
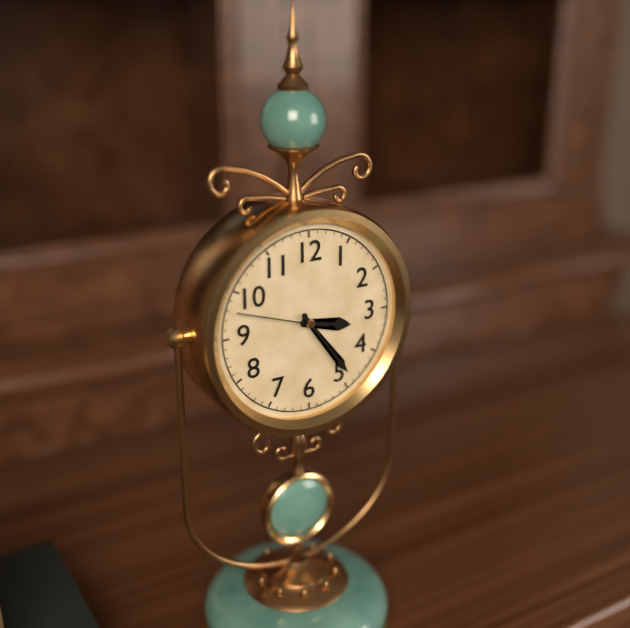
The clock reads 3 h 24 min 48 s
